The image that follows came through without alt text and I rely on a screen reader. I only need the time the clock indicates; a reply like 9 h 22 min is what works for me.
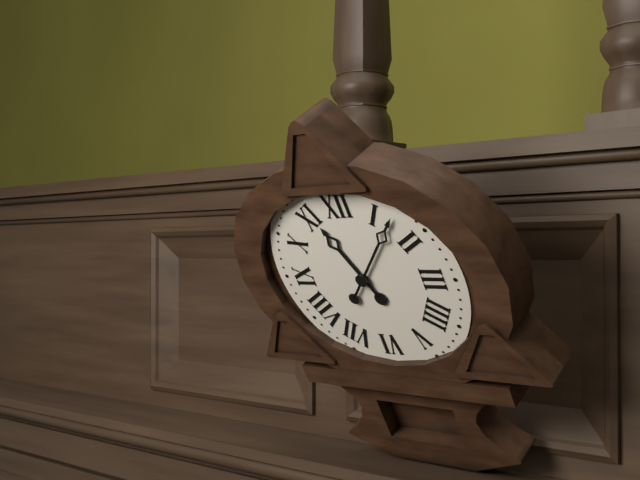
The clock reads 11 h 07 min
